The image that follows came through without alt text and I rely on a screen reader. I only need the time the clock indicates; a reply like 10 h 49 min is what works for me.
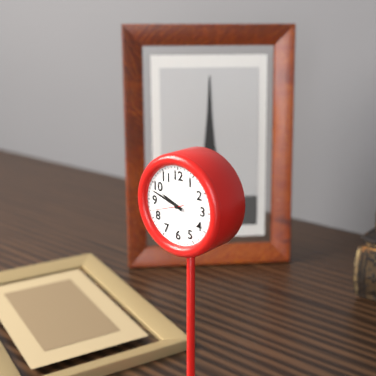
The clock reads 9 h 48 min
